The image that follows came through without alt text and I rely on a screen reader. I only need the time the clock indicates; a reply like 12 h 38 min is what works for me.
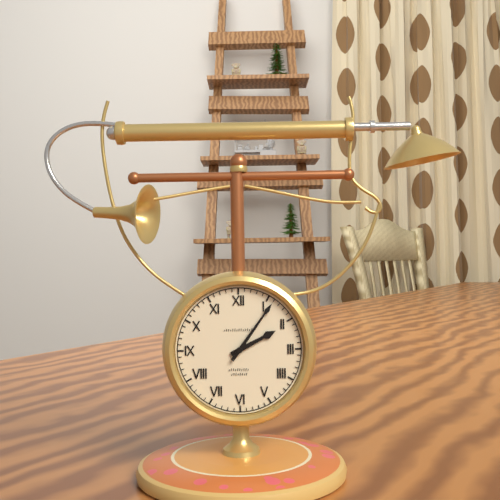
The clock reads 2 h 06 min
